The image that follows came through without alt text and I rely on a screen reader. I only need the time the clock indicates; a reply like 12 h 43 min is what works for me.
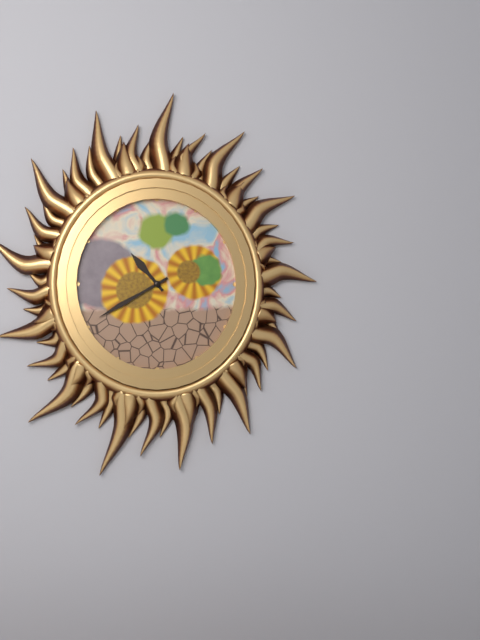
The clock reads 10 h 40 min
